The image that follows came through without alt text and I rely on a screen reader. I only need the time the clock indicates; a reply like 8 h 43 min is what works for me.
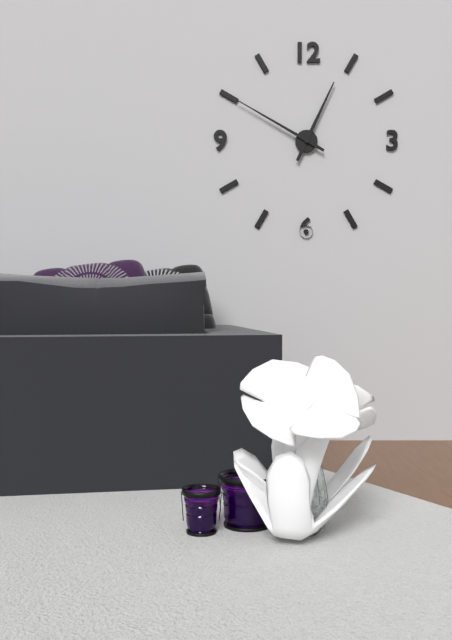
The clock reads 12 h 50 min
